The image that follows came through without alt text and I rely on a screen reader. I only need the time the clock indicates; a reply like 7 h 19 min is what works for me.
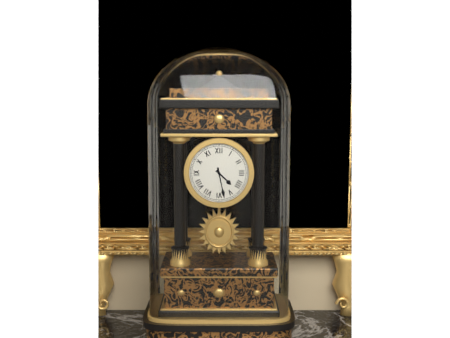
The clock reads 4 h 28 min
